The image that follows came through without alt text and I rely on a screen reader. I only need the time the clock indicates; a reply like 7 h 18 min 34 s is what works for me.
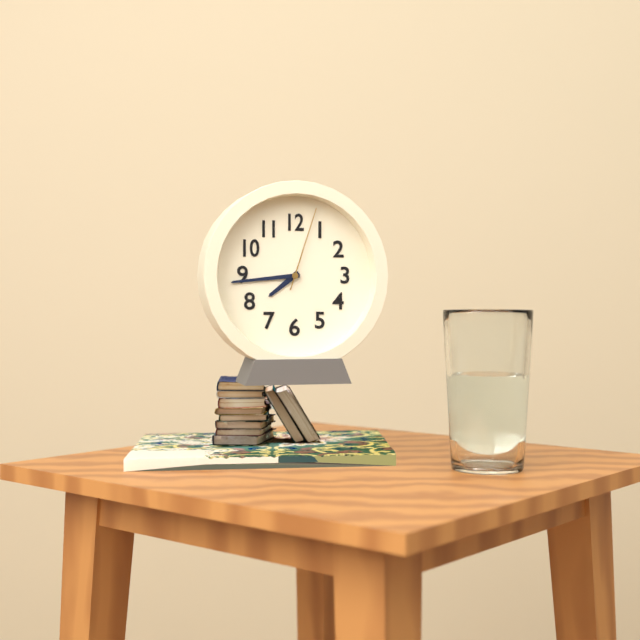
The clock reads 7 h 44 min 03 s
